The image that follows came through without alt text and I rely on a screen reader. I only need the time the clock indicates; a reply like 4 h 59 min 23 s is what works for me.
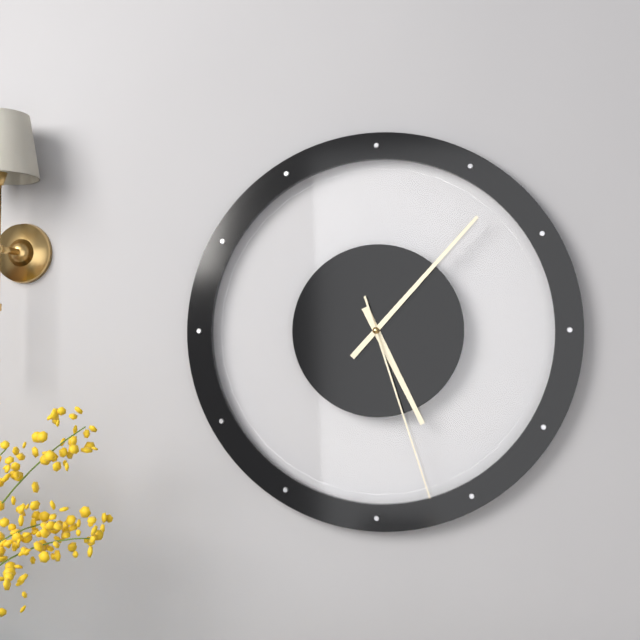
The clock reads 5 h 07 min 27 s
